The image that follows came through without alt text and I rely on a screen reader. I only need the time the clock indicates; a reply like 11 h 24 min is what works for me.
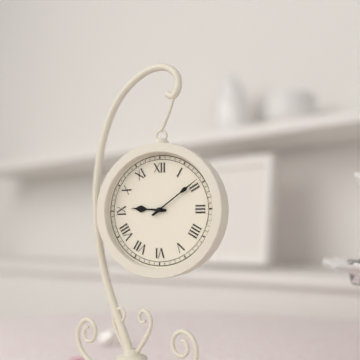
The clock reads 9 h 09 min
